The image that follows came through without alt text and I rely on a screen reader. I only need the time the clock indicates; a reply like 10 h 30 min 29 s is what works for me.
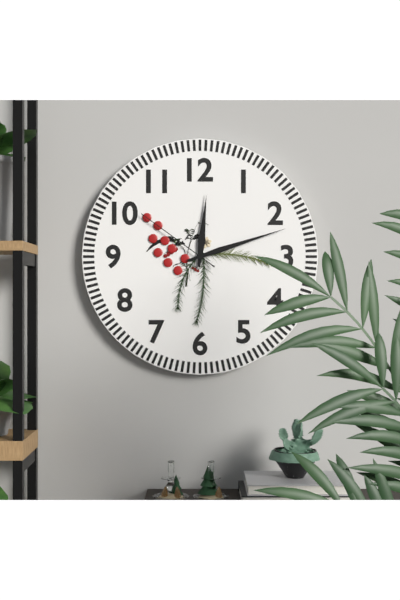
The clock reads 12 h 12 min 51 s
